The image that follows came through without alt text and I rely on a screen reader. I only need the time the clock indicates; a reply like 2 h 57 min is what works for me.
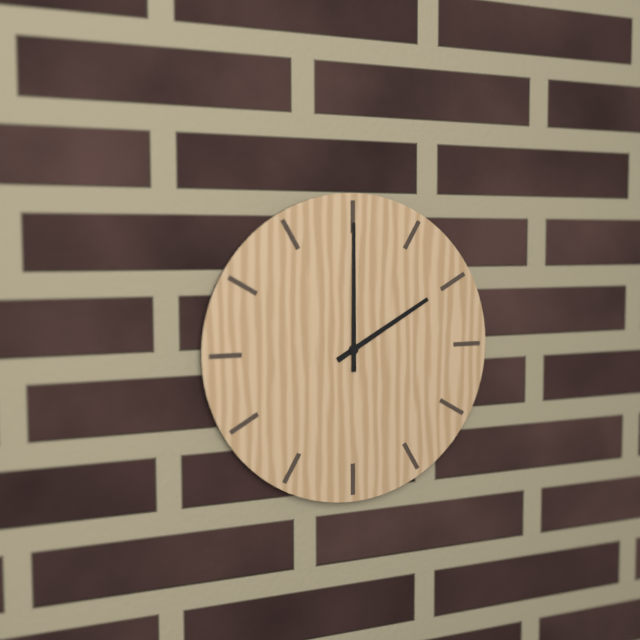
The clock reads 2 h 00 min
